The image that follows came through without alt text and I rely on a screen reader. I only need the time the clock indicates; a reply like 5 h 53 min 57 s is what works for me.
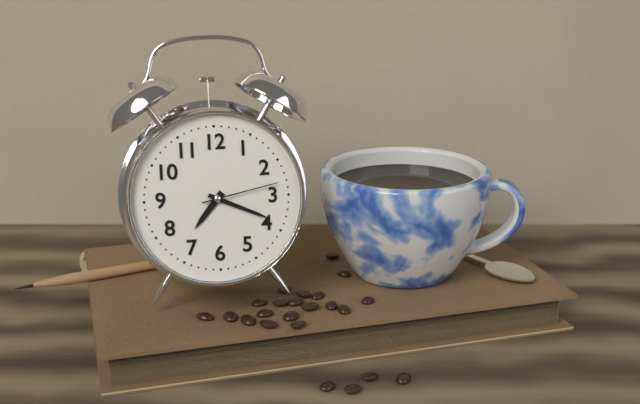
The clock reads 7 h 19 min 13 s
